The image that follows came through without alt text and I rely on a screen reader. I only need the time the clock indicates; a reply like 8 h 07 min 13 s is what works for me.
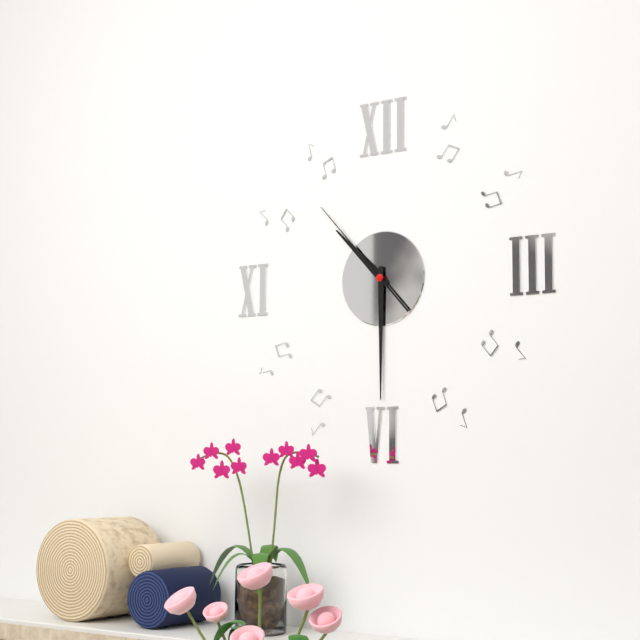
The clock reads 10 h 30 min 53 s
